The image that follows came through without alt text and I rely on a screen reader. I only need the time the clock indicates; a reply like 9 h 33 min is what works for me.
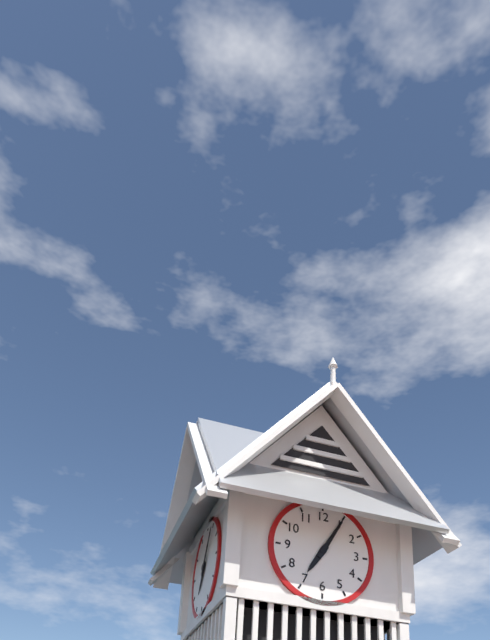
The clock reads 7 h 05 min
